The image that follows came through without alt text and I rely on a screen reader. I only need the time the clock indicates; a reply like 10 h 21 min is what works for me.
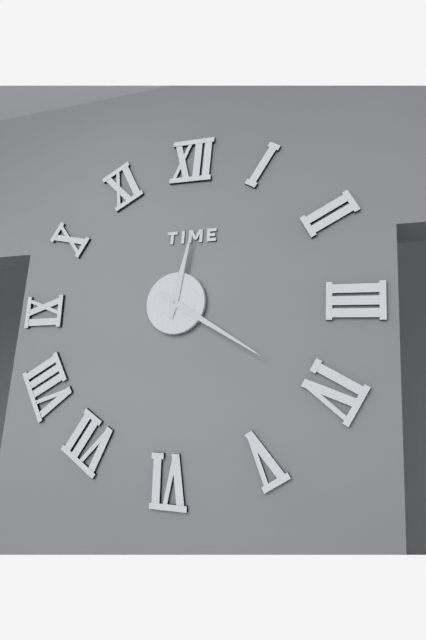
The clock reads 12 h 20 min
